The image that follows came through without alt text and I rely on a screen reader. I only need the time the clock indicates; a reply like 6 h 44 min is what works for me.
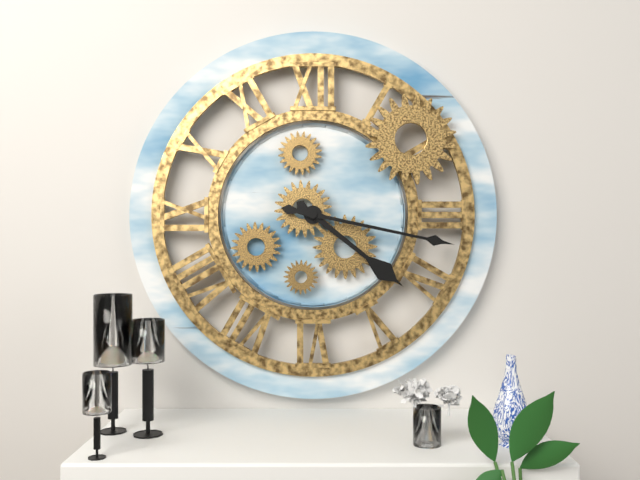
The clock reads 4 h 17 min
